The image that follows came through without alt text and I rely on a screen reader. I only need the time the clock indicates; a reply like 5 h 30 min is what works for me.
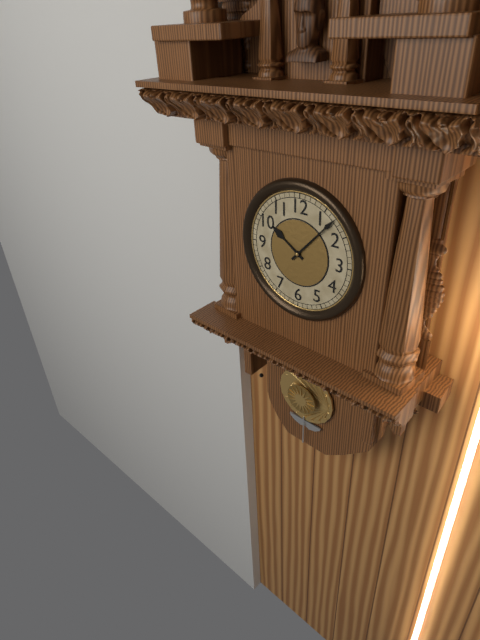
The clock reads 10 h 07 min
